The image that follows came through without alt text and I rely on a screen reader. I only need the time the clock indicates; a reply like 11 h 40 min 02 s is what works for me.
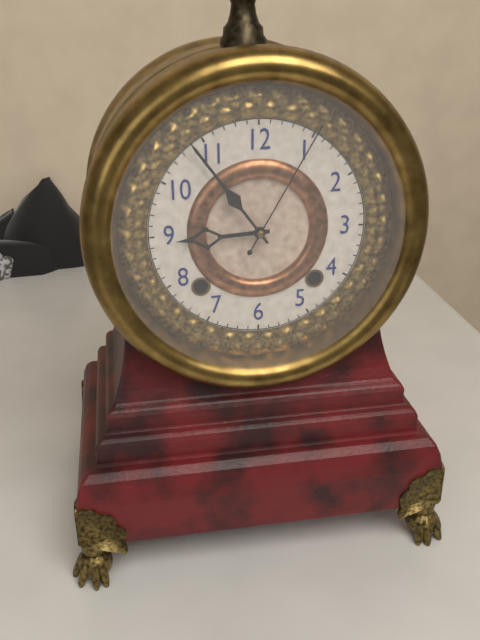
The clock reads 8 h 54 min 05 s
